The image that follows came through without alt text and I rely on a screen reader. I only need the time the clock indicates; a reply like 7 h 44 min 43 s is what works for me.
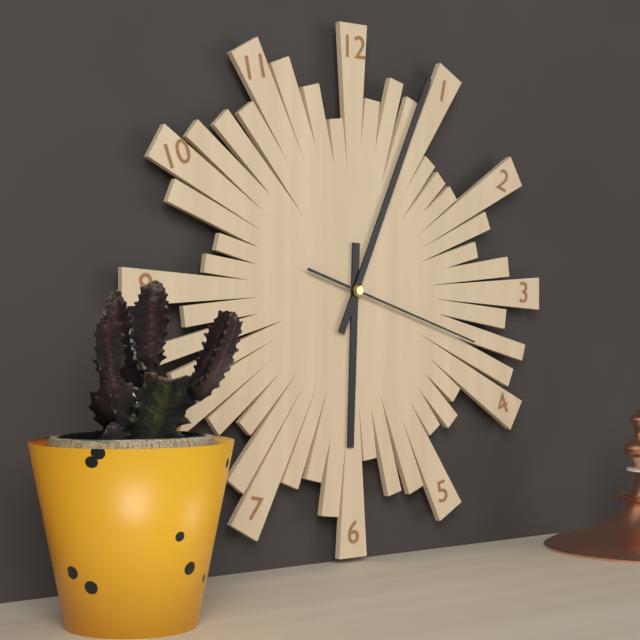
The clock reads 6 h 04 min 18 s
